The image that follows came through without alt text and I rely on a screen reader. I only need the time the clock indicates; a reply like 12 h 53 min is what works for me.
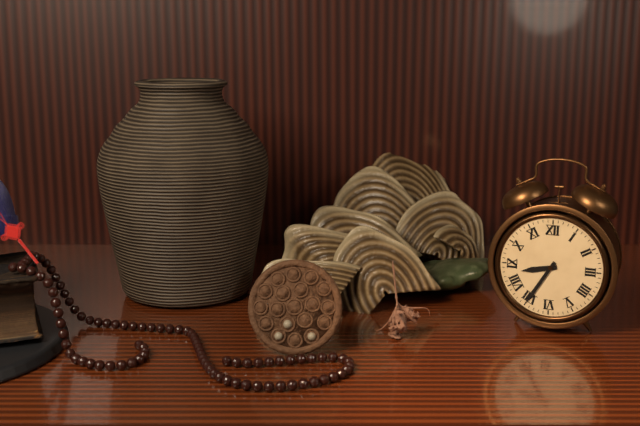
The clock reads 8 h 35 min
